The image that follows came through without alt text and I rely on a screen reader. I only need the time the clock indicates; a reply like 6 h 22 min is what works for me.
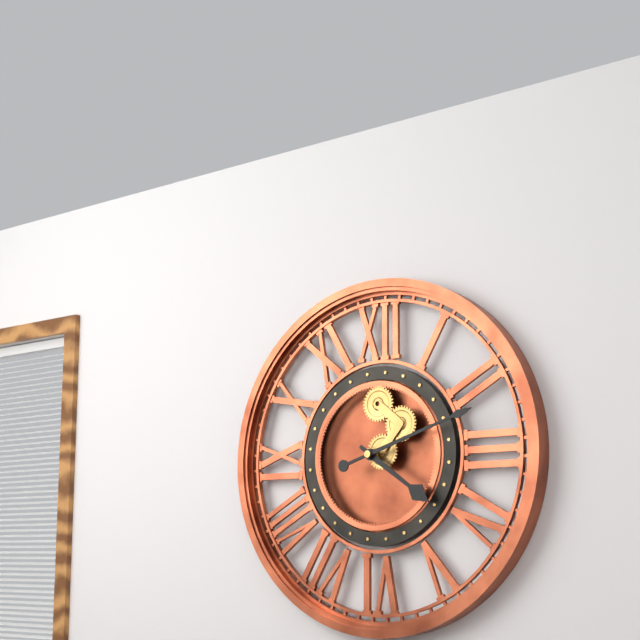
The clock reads 4 h 12 min
